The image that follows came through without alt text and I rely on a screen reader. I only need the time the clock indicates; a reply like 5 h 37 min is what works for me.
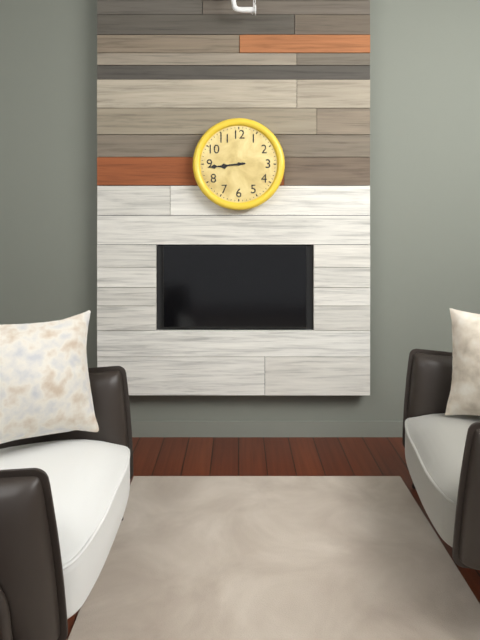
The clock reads 8 h 44 min
